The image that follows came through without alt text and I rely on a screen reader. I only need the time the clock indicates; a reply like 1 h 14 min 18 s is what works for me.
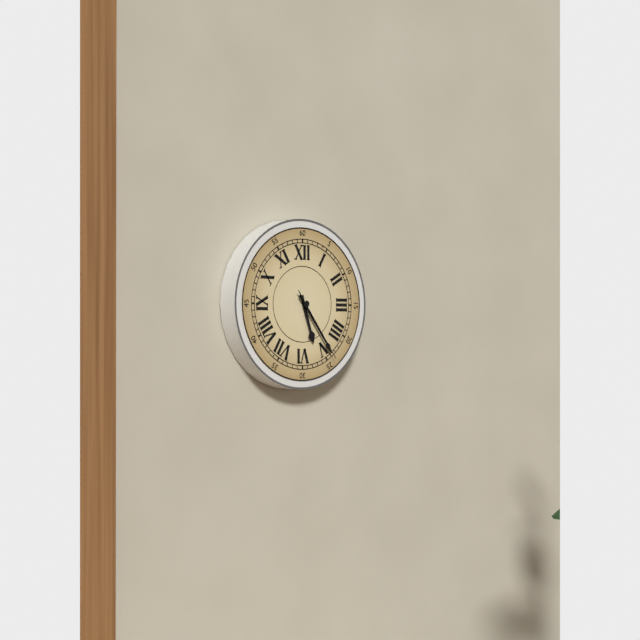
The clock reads 5 h 24 min 24 s
